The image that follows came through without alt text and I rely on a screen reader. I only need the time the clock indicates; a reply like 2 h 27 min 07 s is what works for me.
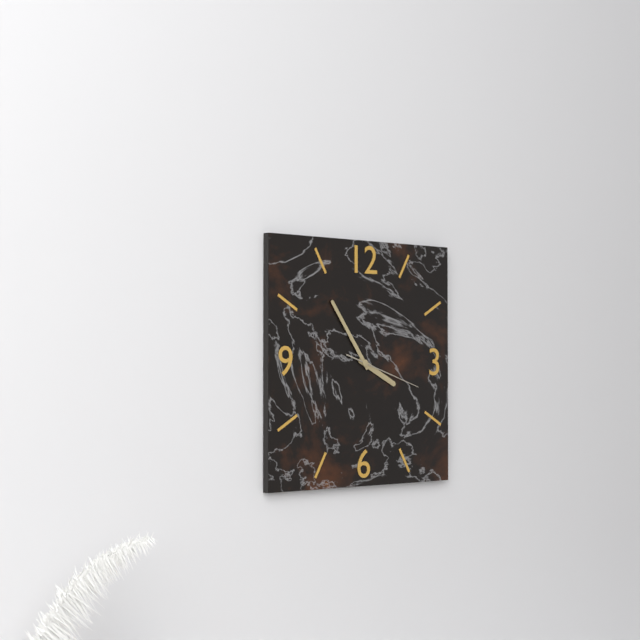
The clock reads 3 h 54 min 18 s
